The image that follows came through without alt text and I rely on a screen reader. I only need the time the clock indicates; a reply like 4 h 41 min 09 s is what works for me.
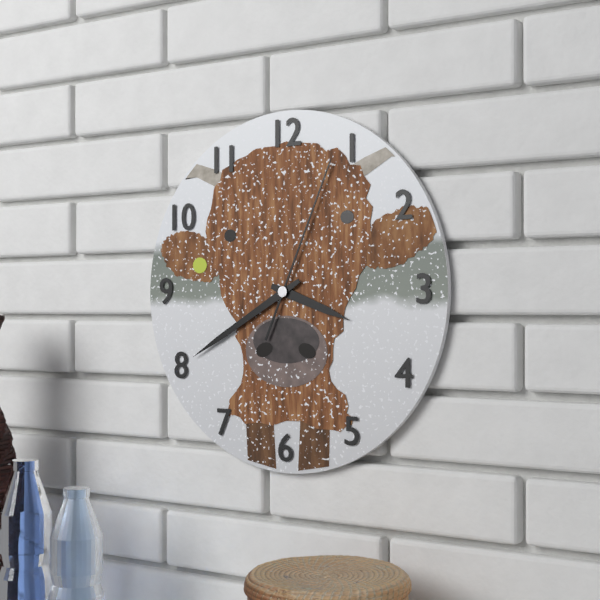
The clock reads 3 h 40 min 04 s
